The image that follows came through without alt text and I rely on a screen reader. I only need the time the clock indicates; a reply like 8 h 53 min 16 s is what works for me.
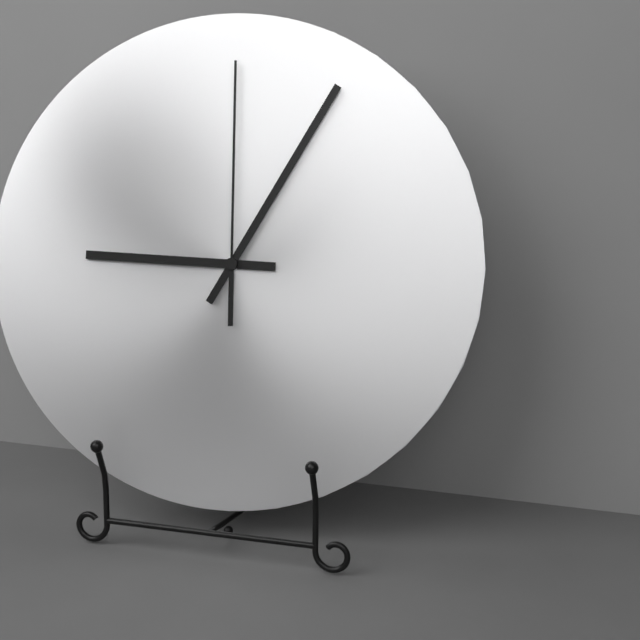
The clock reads 9 h 05 min 00 s
